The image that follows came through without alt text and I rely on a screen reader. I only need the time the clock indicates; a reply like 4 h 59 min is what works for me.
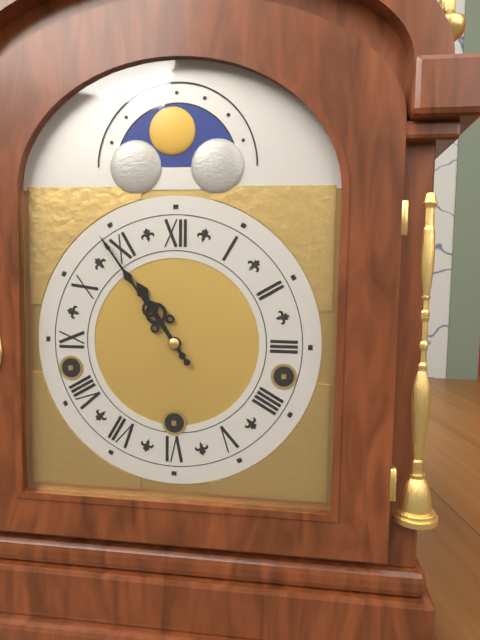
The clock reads 10 h 54 min
